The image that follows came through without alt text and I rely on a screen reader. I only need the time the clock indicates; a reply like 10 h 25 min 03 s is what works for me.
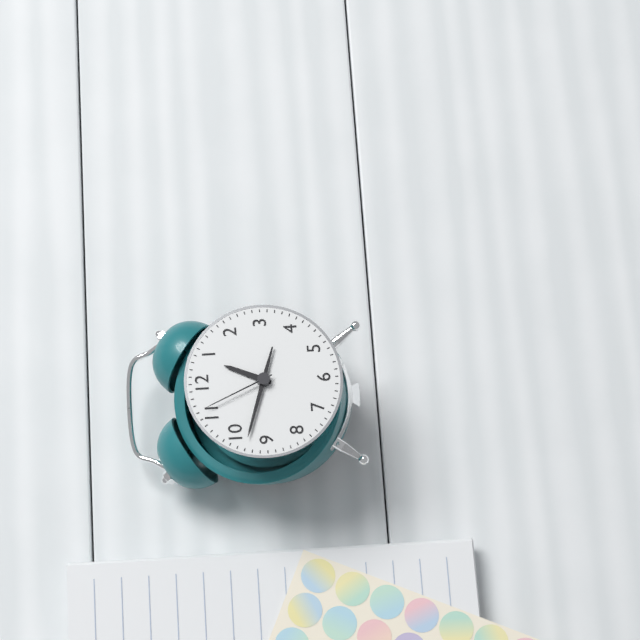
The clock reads 12 h 48 min 56 s
